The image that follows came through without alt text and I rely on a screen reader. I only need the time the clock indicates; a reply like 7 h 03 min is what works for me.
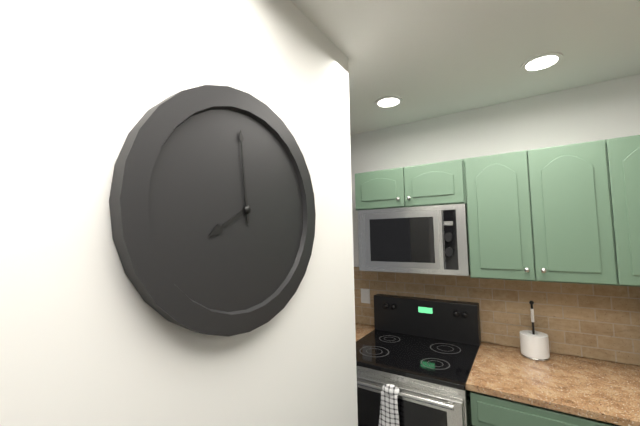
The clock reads 7 h 59 min
